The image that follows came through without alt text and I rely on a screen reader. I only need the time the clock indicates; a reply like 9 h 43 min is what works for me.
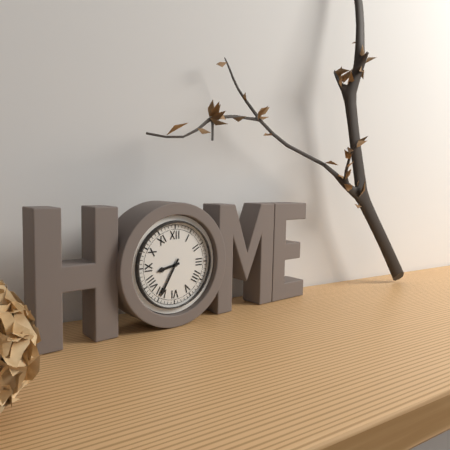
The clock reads 8 h 35 min
